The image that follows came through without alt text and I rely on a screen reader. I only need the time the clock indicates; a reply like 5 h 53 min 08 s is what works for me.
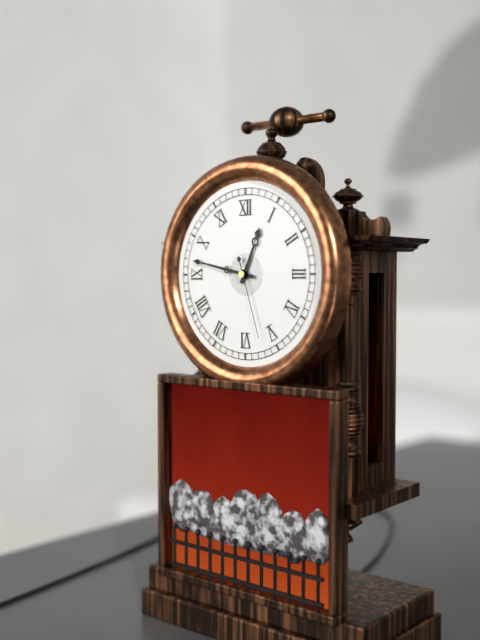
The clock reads 12 h 47 min 27 s
